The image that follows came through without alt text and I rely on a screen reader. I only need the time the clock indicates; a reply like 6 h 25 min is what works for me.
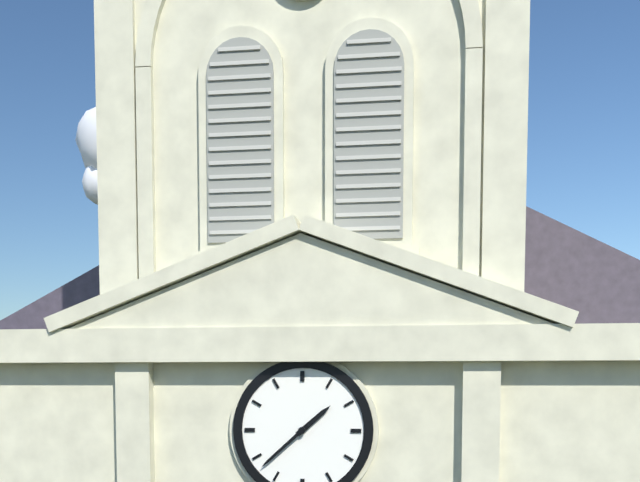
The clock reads 1 h 38 min
